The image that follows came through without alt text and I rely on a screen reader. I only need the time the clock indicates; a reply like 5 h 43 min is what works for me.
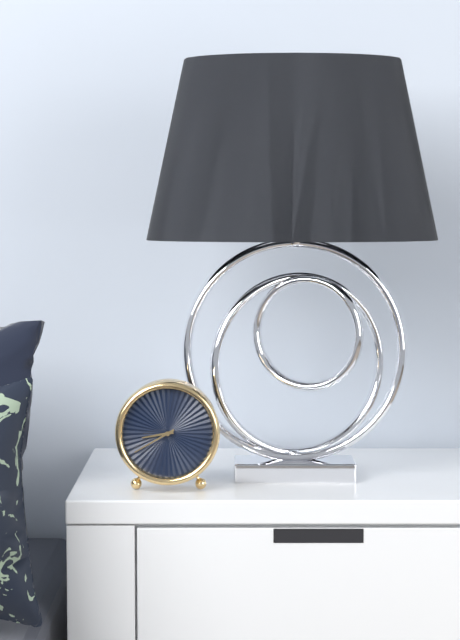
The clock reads 8 h 40 min
